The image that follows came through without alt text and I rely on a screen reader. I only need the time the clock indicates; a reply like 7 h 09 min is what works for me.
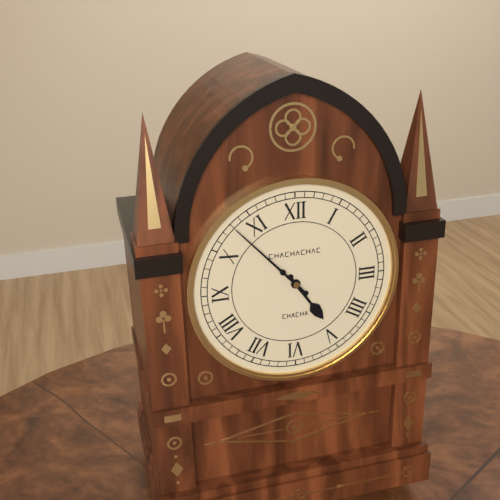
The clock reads 4 h 53 min
